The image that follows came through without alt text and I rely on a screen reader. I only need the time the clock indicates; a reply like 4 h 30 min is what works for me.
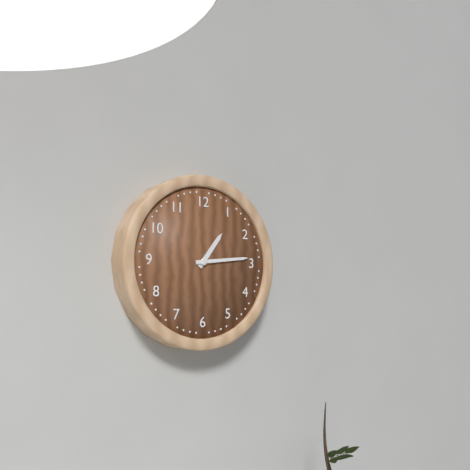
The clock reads 1 h 14 min
